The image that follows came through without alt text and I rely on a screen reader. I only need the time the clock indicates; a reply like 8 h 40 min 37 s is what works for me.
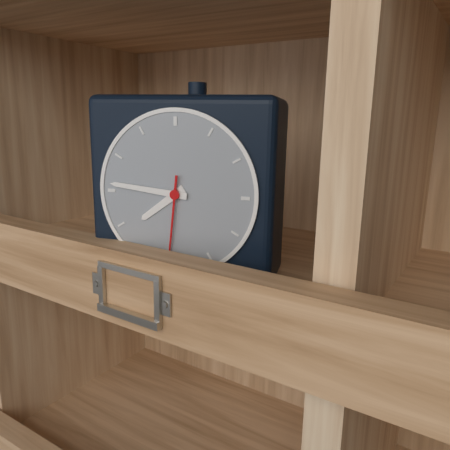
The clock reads 7 h 46 min 31 s
